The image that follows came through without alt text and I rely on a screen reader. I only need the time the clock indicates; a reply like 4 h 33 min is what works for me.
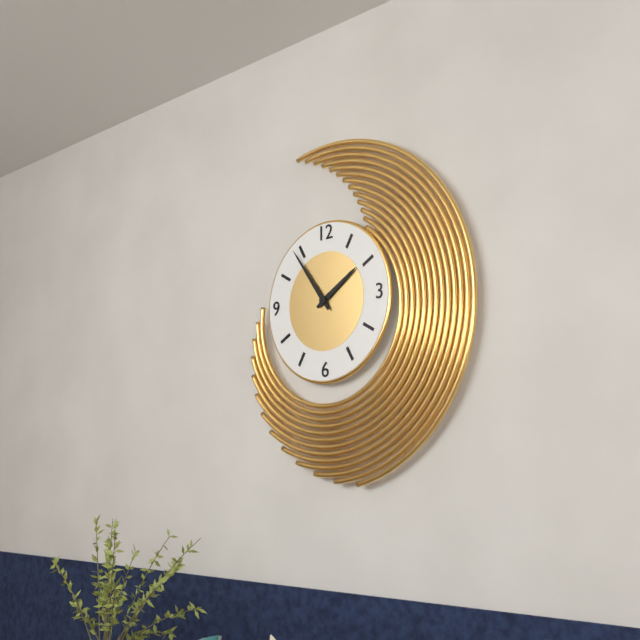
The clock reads 1 h 54 min
